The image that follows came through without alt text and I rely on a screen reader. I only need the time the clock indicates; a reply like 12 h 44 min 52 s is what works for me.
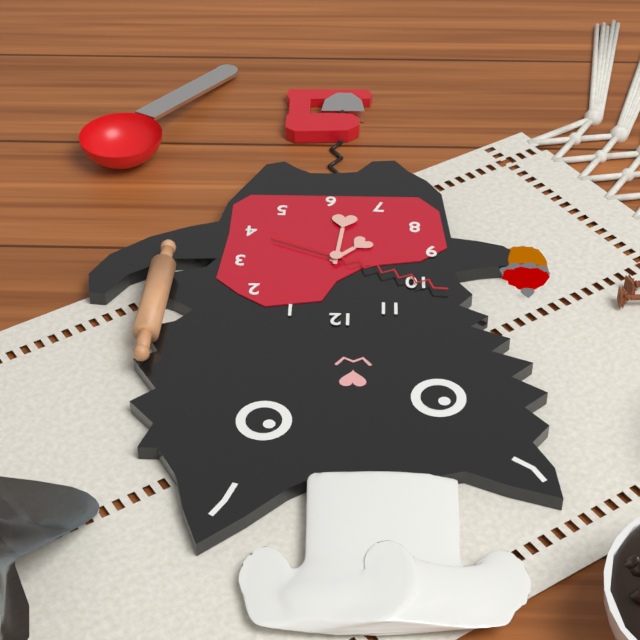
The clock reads 7 h 31 min 49 s
